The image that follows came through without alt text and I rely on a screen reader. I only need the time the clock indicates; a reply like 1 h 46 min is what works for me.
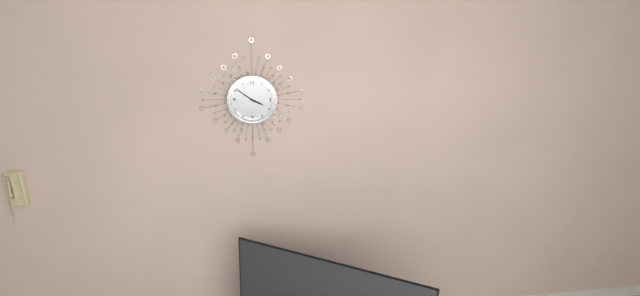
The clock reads 3 h 51 min
